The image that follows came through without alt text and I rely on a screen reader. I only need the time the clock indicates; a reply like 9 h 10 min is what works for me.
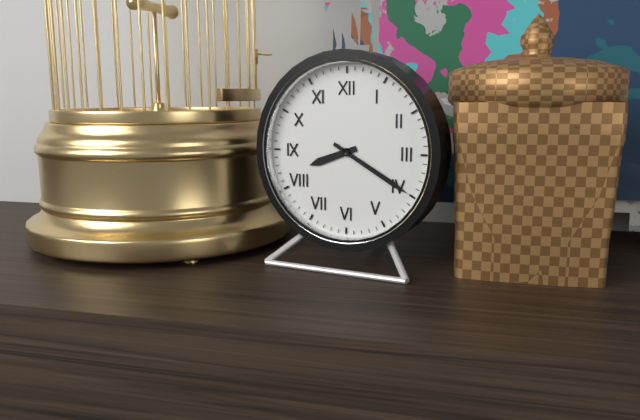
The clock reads 8 h 20 min
